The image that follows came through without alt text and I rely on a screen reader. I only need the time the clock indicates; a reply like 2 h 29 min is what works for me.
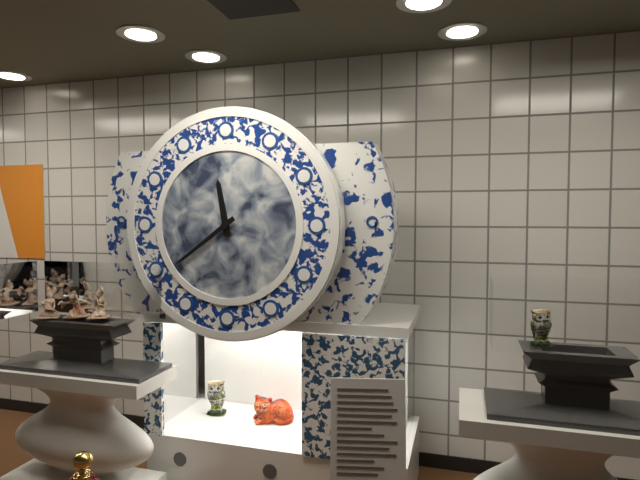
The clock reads 11 h 39 min
